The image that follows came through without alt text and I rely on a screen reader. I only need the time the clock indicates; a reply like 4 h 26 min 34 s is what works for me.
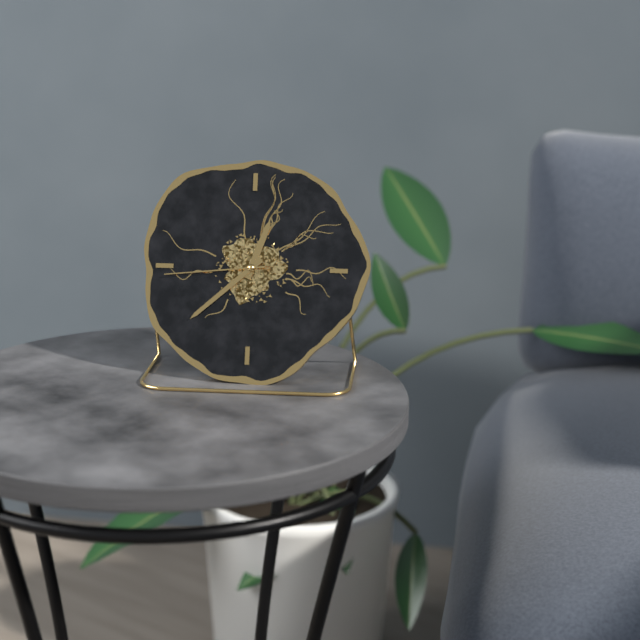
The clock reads 12 h 38 min 44 s
